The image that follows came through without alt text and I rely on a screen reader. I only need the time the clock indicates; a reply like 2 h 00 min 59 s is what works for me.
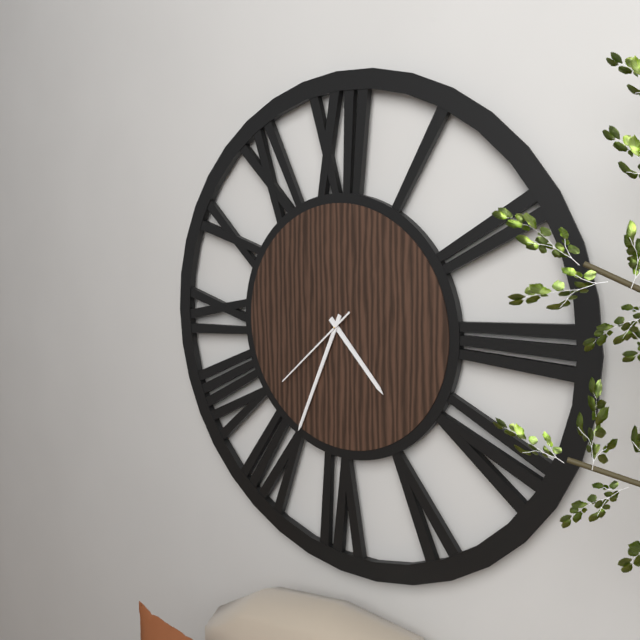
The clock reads 4 h 34 min 38 s
